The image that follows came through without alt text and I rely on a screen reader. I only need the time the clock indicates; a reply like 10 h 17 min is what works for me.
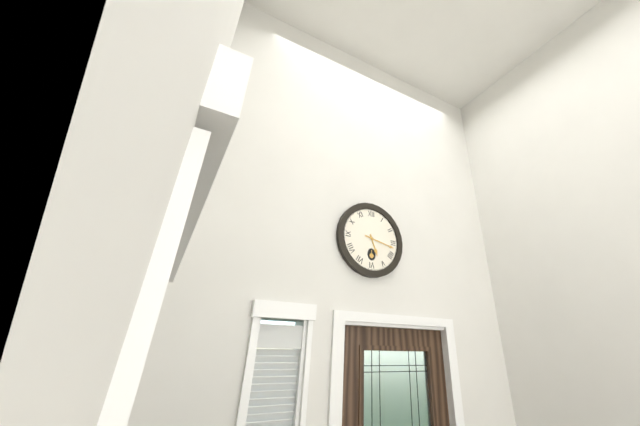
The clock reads 5 h 17 min
